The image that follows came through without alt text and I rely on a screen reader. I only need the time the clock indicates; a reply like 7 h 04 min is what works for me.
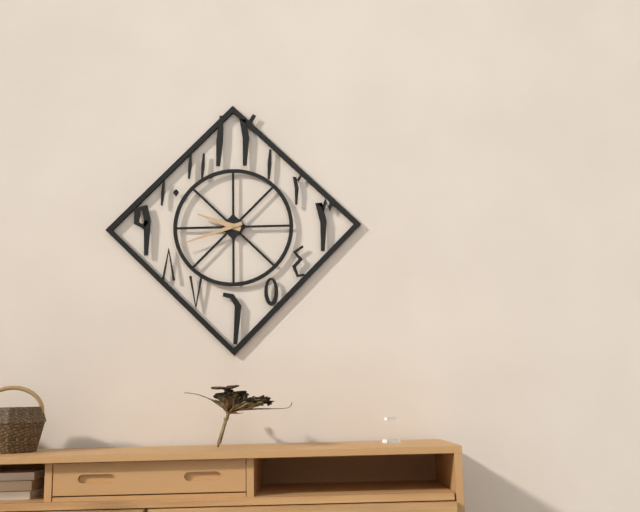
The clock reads 9 h 42 min
